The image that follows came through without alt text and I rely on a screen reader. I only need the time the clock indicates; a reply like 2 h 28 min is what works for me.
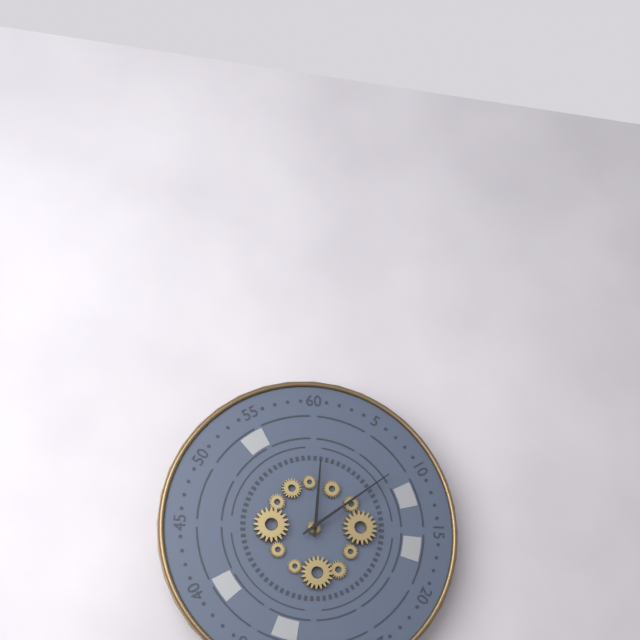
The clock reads 12 h 09 min
